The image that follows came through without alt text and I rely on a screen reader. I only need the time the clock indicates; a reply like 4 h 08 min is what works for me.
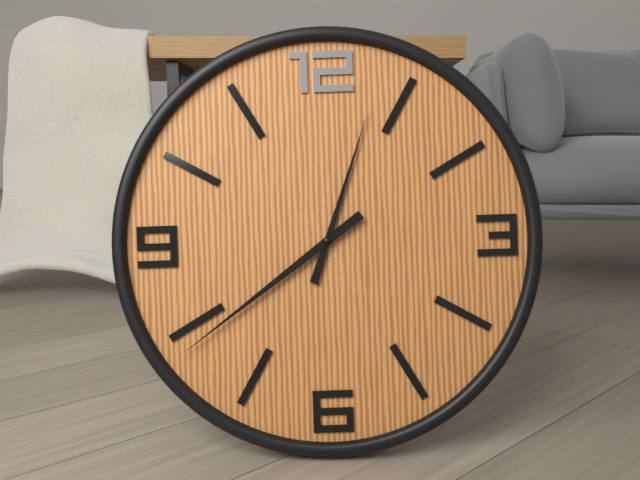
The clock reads 12 h 39 min
